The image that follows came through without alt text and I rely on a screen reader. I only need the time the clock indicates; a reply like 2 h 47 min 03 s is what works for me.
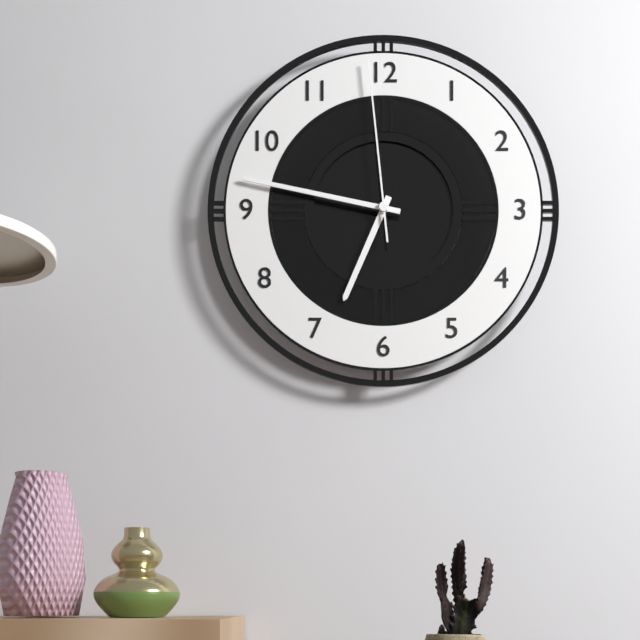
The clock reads 6 h 47 min 59 s
